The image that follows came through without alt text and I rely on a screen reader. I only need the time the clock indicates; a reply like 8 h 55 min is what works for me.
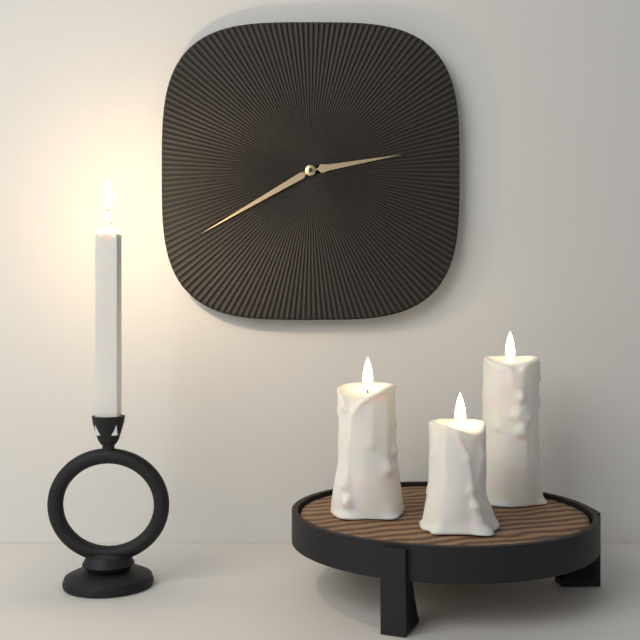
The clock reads 2 h 40 min
